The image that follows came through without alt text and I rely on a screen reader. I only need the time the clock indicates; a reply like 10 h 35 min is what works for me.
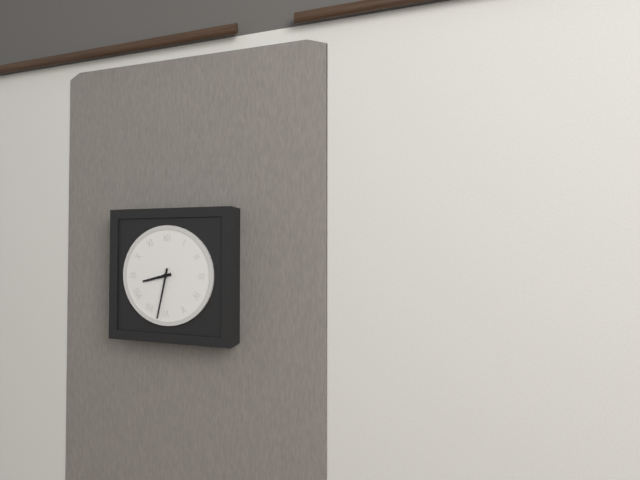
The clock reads 8 h 32 min
